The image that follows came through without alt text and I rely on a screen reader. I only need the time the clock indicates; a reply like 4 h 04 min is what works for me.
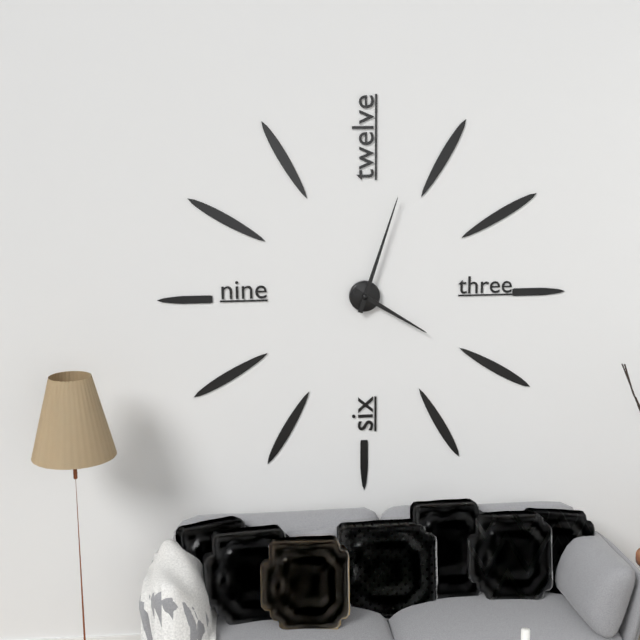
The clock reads 4 h 03 min
